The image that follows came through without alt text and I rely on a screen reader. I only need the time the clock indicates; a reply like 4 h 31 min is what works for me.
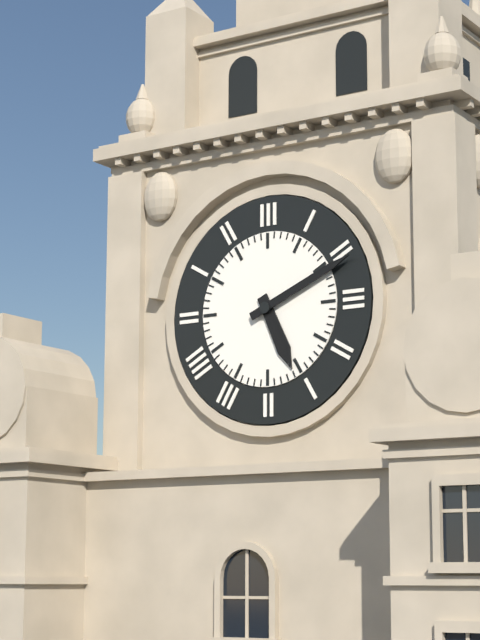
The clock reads 5 h 11 min
